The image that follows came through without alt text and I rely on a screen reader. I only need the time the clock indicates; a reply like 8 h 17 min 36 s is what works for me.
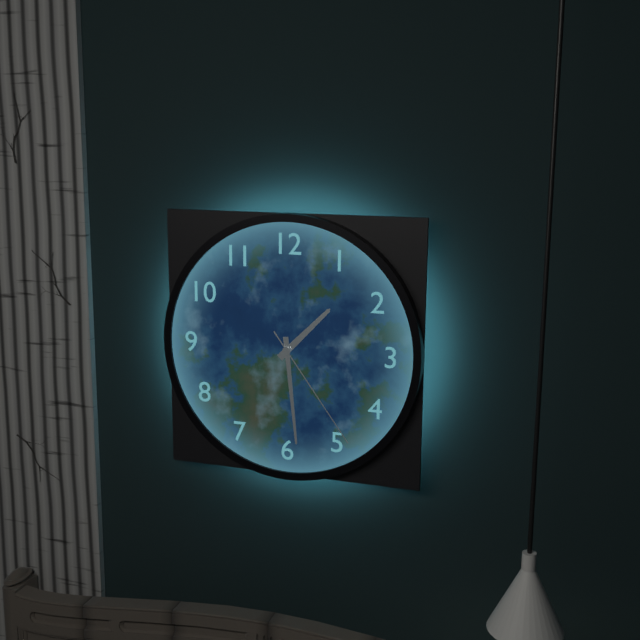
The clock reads 1 h 29 min 24 s
